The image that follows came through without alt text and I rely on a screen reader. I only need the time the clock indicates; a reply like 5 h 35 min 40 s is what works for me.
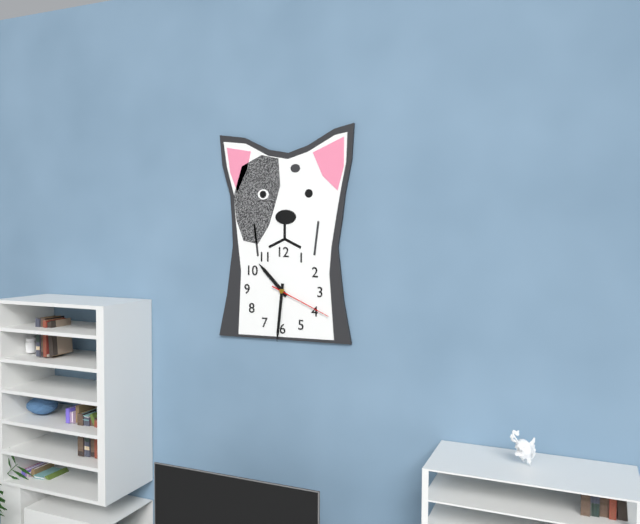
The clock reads 10 h 31 min 19 s
